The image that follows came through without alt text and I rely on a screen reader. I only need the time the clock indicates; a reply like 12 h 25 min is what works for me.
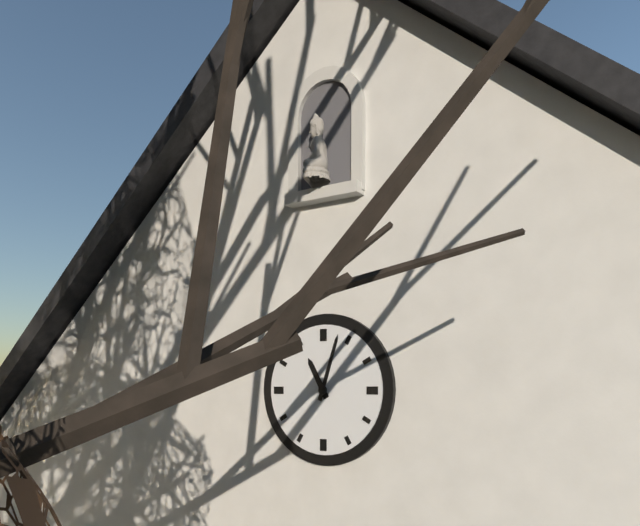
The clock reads 11 h 03 min
